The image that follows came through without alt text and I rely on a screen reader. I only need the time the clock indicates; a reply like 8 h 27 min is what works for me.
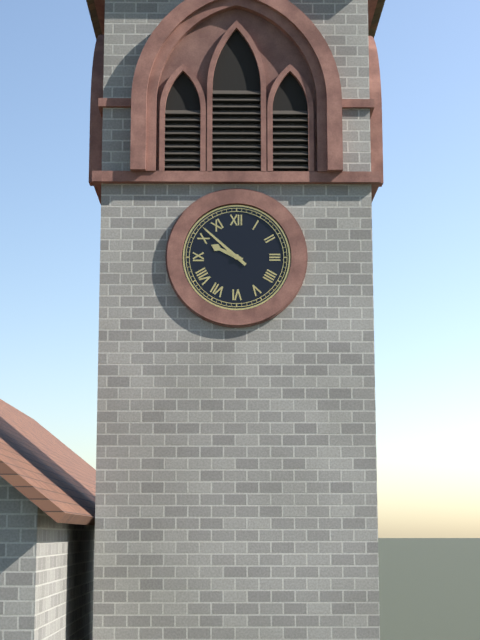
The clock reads 9 h 52 min
